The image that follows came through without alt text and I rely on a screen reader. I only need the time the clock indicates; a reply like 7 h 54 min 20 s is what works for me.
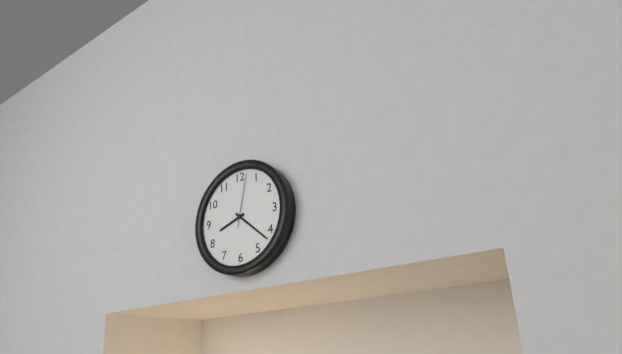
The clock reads 8 h 22 min 02 s
